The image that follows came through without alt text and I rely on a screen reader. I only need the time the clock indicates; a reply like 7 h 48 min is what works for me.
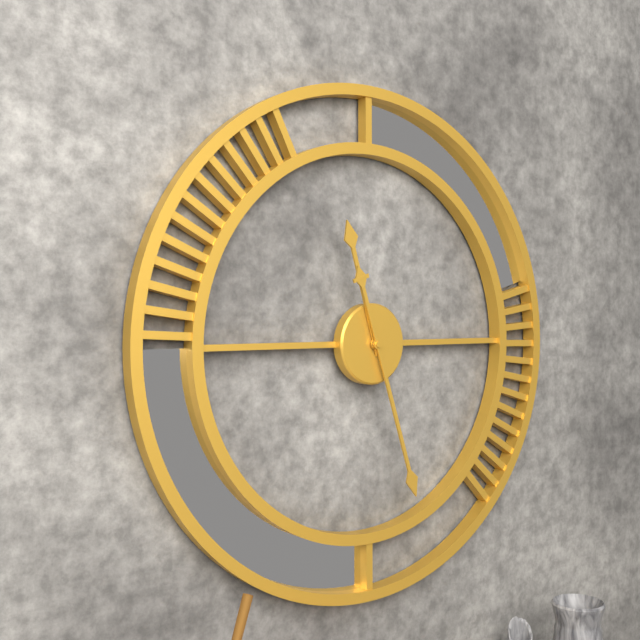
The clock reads 11 h 27 min
